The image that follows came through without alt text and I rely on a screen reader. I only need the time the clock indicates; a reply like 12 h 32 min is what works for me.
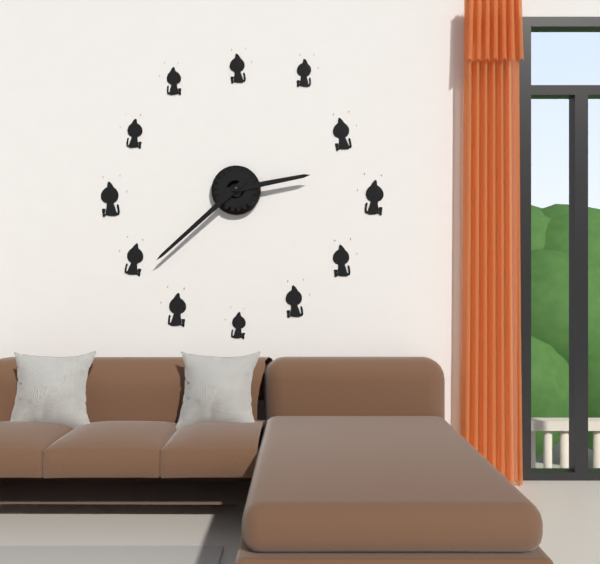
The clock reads 2 h 38 min
